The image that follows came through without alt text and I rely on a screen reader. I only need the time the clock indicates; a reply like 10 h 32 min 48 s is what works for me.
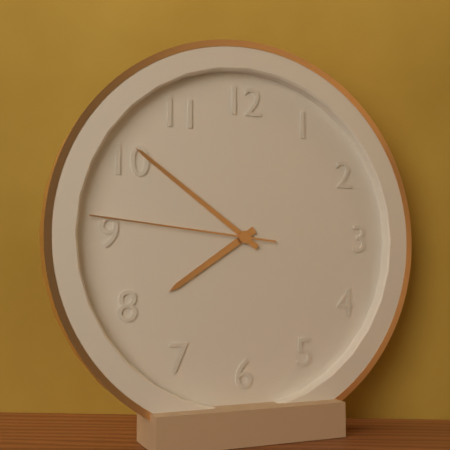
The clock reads 7 h 51 min 46 s
